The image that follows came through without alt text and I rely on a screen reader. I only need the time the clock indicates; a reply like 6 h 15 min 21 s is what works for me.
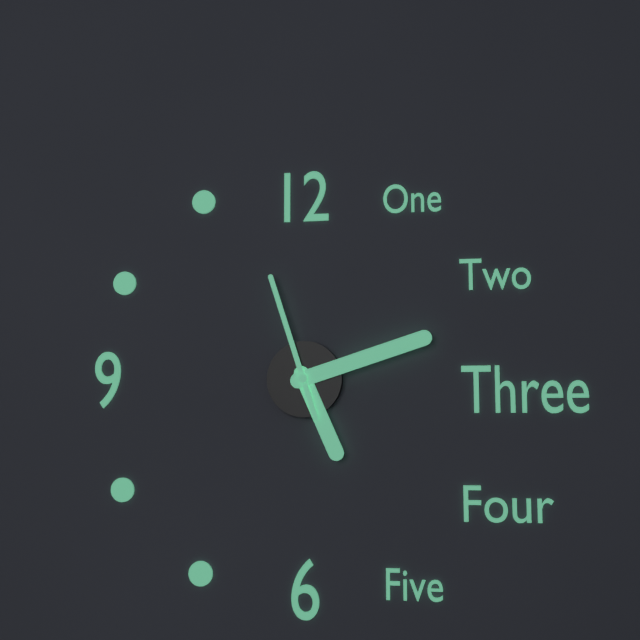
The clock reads 5 h 12 min 57 s
